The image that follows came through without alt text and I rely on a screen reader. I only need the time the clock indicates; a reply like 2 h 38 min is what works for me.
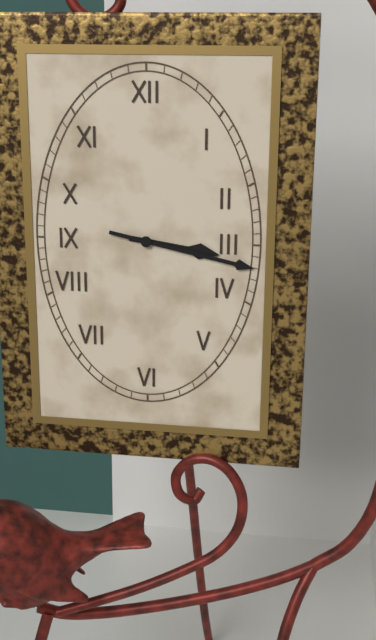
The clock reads 3 h 17 min
